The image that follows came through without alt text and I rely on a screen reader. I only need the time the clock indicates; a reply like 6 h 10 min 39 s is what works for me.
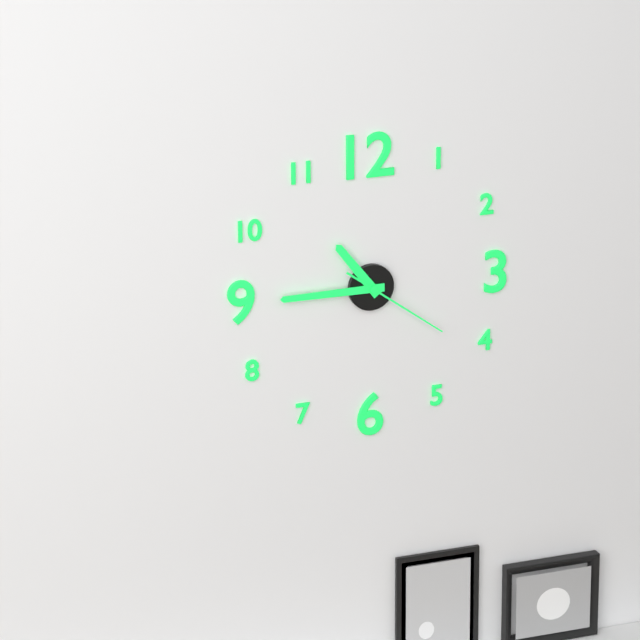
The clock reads 10 h 45 min 21 s
